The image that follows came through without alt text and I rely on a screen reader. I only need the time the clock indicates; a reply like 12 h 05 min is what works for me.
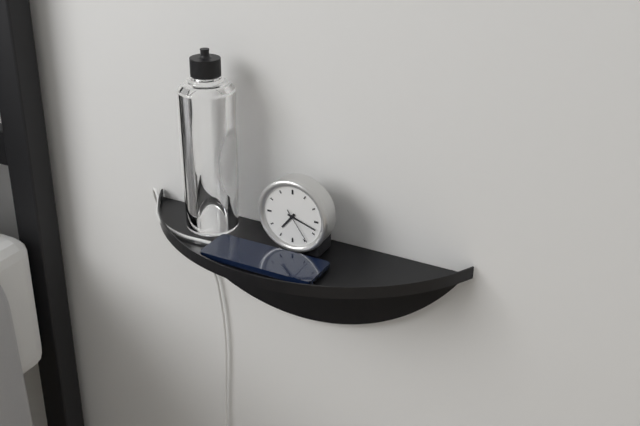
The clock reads 7 h 18 min
